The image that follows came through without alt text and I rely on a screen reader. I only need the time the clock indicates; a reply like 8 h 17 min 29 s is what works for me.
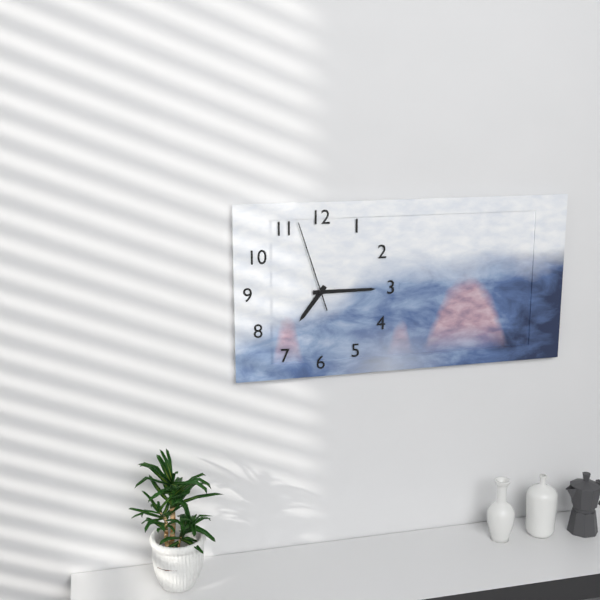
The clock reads 7 h 15 min 57 s
